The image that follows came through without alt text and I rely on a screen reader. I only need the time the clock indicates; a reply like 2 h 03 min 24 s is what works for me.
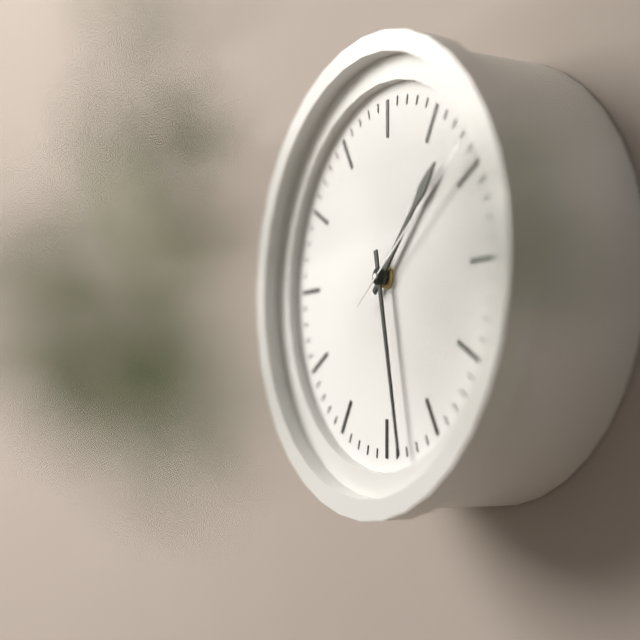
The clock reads 1 h 28 min 09 s
